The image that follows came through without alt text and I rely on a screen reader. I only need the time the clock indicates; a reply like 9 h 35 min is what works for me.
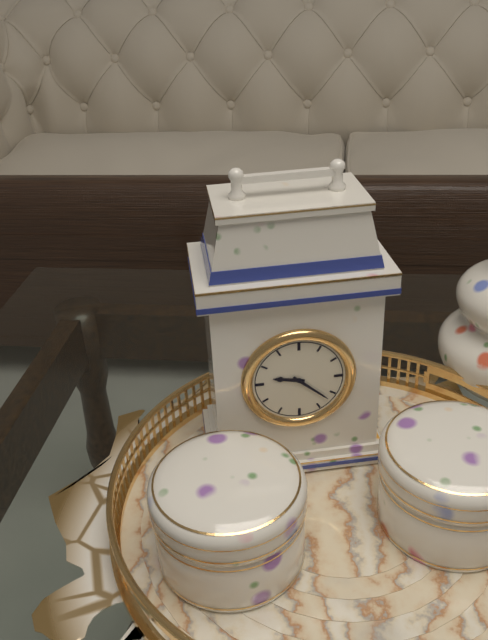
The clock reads 9 h 22 min
